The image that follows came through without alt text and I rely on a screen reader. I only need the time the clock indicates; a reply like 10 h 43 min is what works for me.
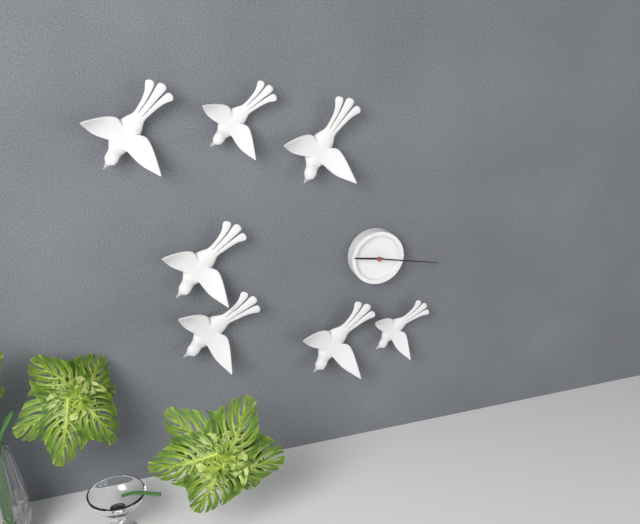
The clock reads 9 h 17 min
